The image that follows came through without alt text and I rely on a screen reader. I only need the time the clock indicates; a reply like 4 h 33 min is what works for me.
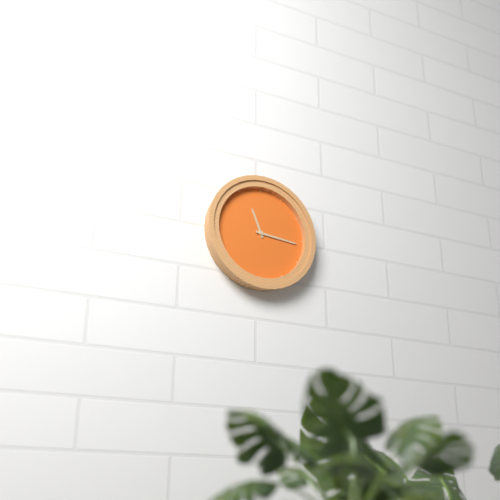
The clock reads 11 h 16 min
